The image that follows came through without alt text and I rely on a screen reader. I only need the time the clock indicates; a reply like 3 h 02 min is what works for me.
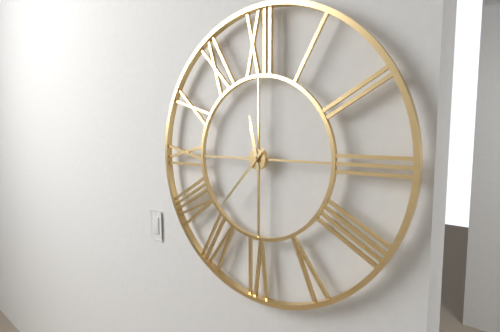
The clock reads 11 h 37 min
